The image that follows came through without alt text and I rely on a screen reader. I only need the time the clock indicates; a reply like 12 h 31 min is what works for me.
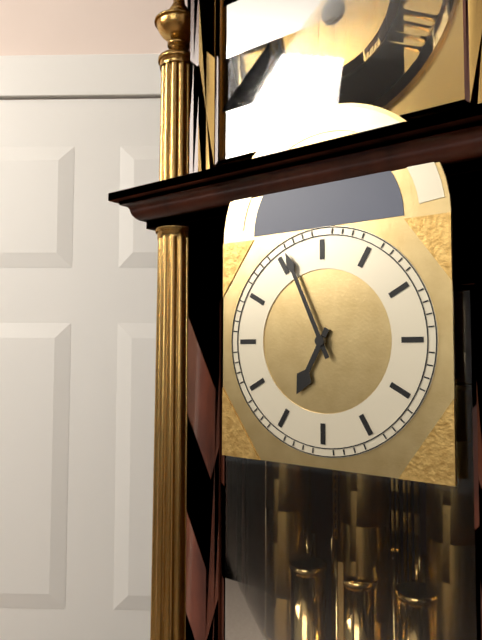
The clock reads 6 h 56 min
